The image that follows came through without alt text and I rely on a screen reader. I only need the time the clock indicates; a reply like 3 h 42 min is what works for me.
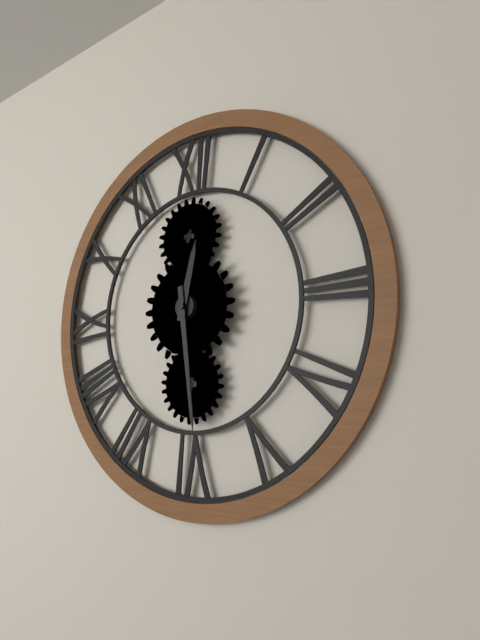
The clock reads 12 h 29 min
